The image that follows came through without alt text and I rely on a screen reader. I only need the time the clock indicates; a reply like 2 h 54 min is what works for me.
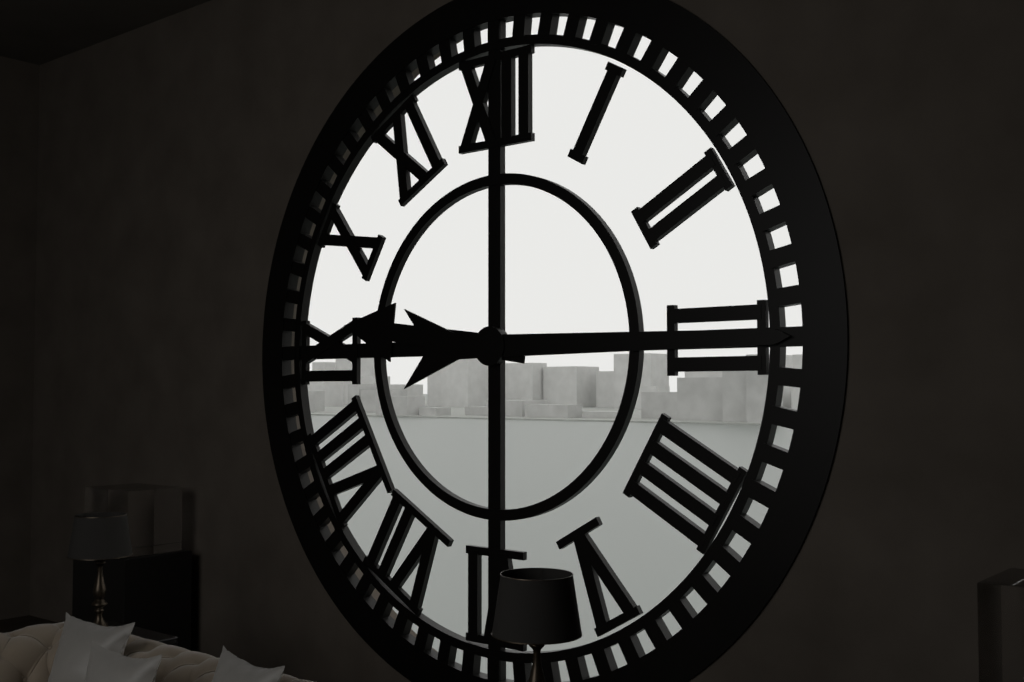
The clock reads 9 h 15 min
